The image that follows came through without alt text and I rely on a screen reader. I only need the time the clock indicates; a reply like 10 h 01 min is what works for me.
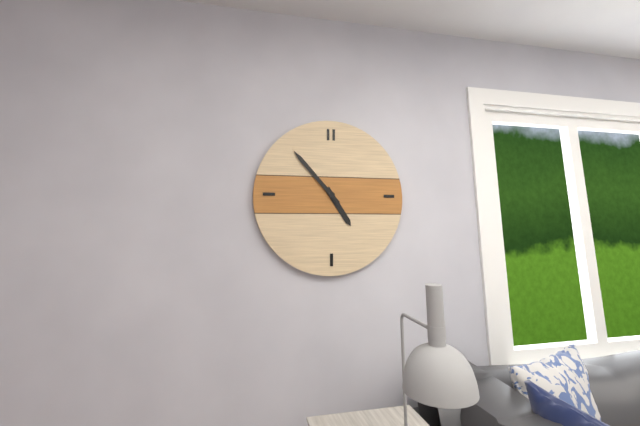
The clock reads 4 h 53 min
